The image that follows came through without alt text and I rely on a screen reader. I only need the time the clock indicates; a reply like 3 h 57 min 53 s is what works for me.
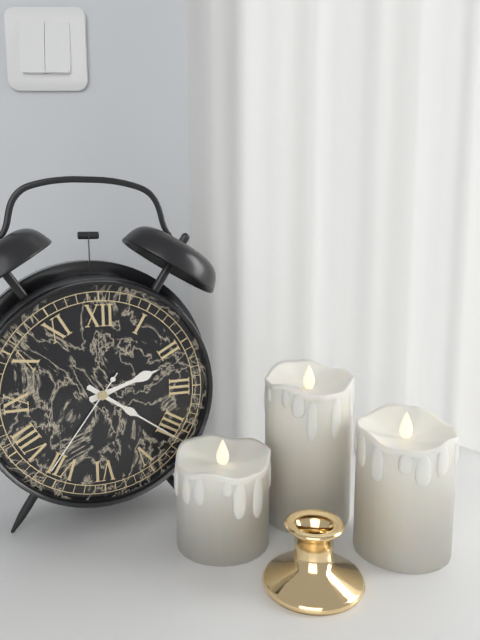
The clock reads 2 h 21 min 36 s
